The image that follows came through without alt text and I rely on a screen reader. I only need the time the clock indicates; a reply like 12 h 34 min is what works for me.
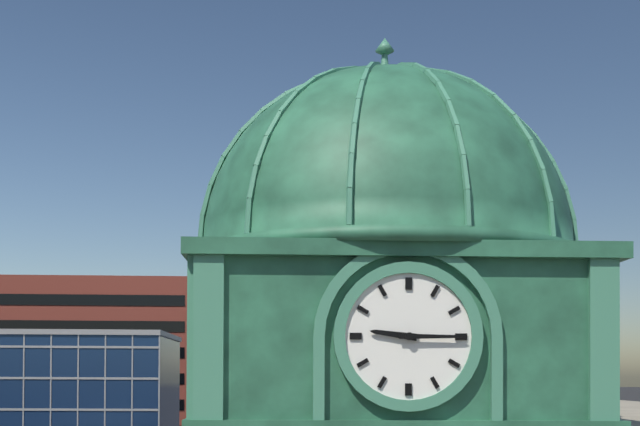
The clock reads 9 h 15 min
